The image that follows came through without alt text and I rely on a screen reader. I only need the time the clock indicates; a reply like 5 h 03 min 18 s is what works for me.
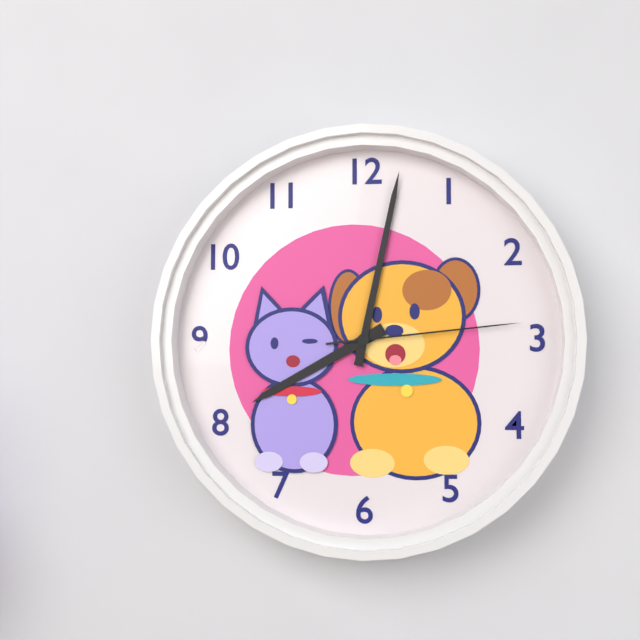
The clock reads 8 h 02 min 14 s
